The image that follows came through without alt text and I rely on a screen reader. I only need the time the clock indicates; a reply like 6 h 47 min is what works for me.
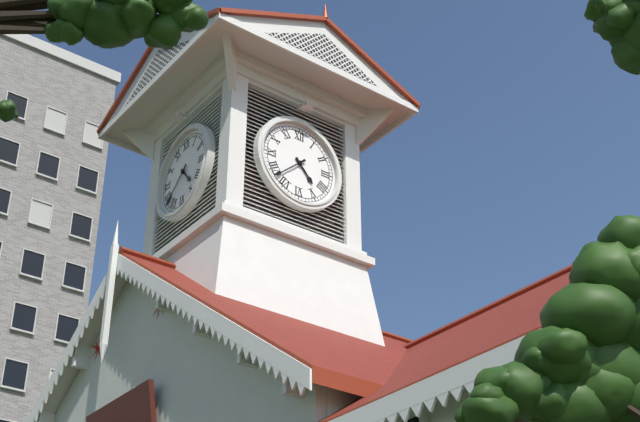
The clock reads 4 h 38 min
